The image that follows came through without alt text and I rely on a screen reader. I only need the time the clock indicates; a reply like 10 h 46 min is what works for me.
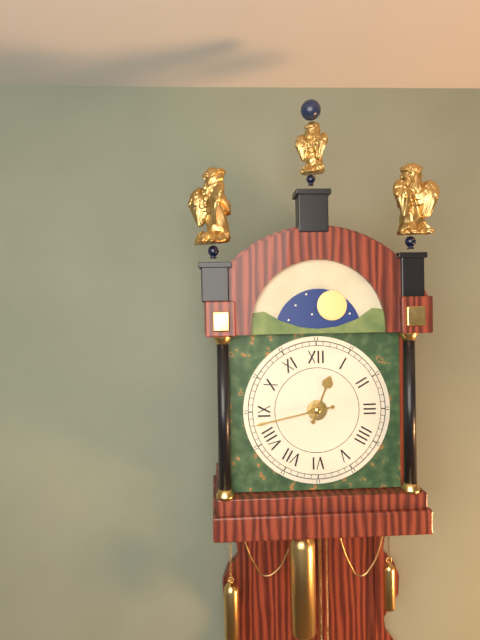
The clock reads 12 h 43 min
